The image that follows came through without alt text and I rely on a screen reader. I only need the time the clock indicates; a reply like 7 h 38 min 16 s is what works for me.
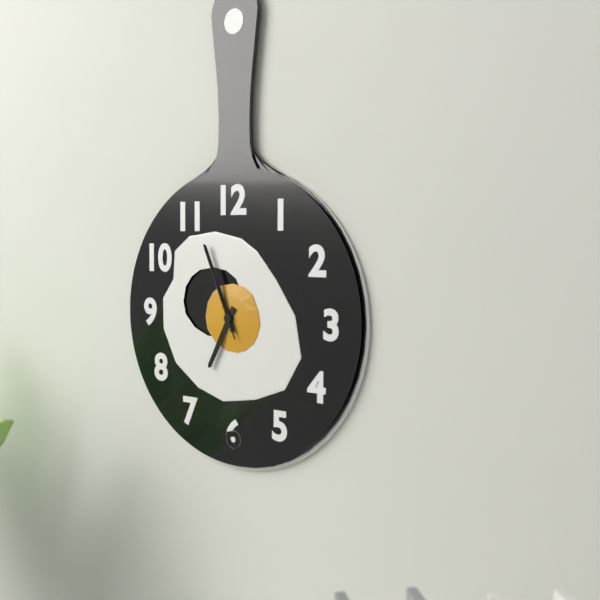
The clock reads 6 h 56 min 56 s
